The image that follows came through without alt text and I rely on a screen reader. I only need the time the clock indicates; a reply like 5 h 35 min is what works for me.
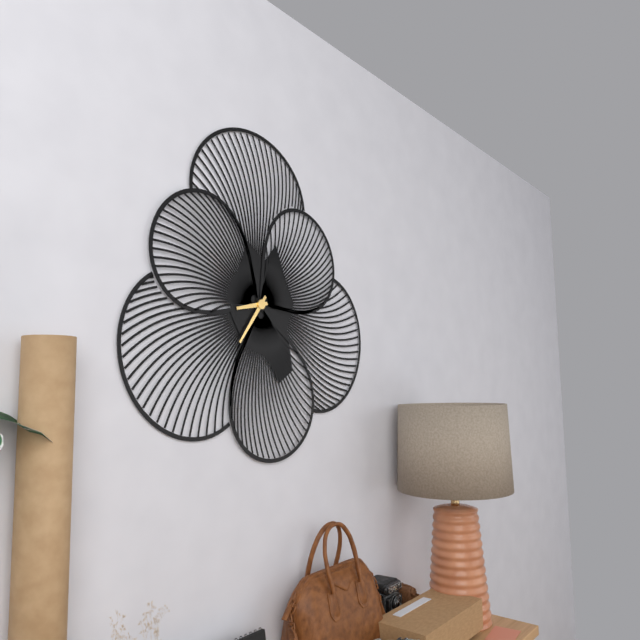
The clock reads 8 h 36 min
